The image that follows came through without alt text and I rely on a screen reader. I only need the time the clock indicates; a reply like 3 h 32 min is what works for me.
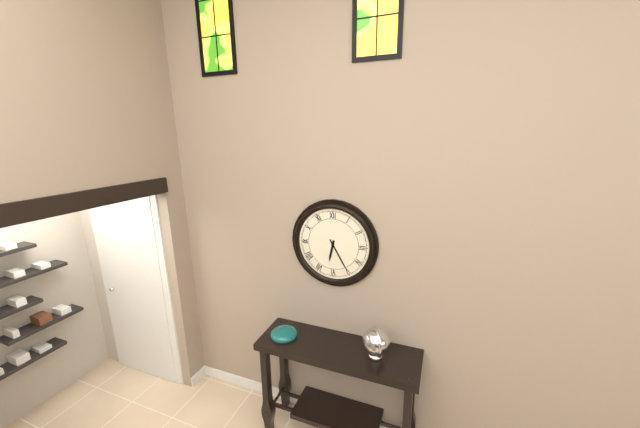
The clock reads 6 h 25 min
